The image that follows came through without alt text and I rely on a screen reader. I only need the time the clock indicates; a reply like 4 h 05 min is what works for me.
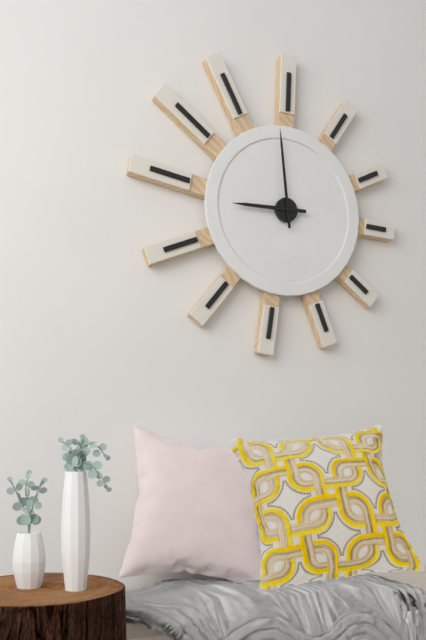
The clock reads 8 h 59 min
